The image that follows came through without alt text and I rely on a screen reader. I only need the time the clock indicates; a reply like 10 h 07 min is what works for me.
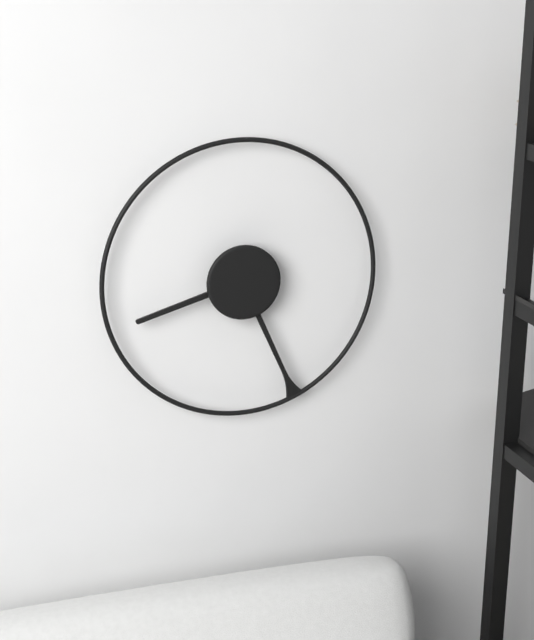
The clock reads 8 h 26 min
